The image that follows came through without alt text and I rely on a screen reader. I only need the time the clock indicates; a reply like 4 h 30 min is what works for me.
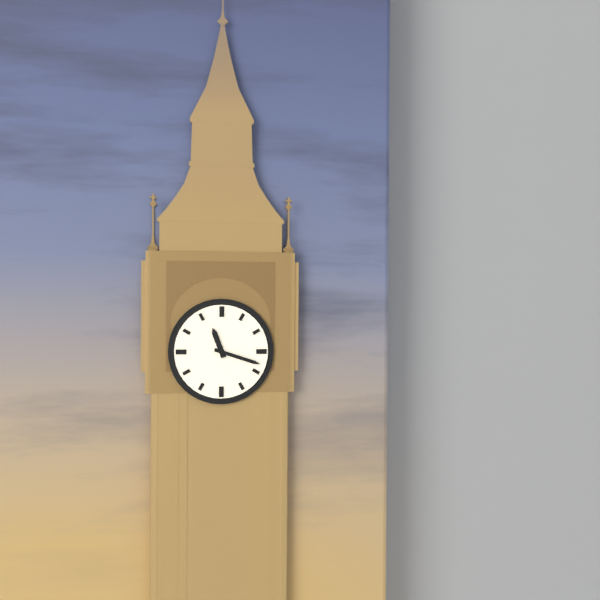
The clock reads 11 h 18 min
